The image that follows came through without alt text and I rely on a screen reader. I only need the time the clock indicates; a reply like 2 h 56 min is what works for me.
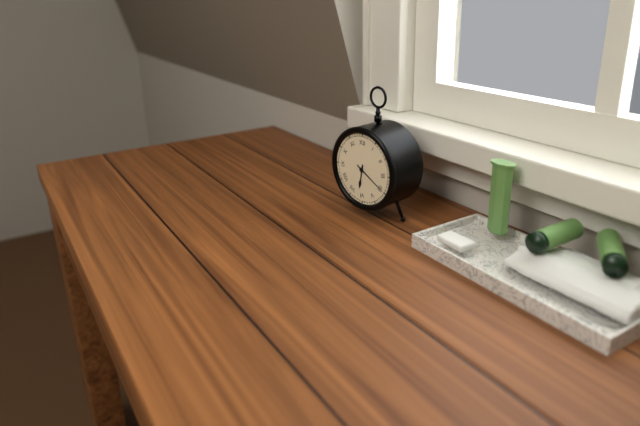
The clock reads 6 h 20 min
